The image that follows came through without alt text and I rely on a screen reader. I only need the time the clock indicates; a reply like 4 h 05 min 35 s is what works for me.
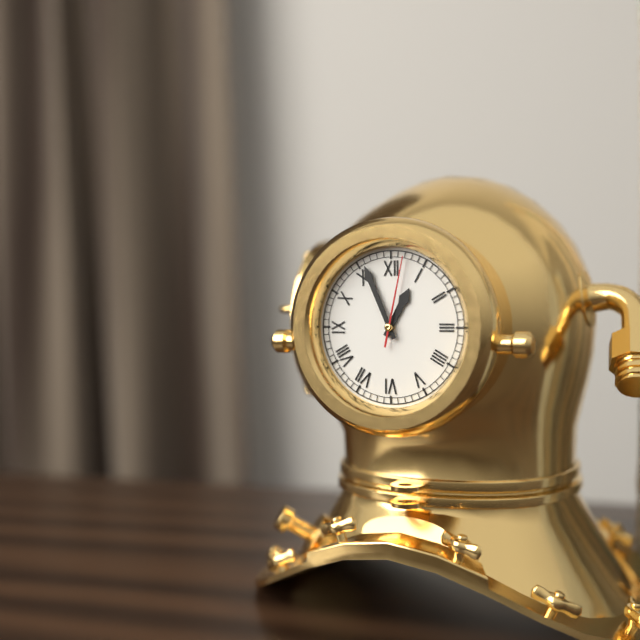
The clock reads 12 h 56 min 02 s
